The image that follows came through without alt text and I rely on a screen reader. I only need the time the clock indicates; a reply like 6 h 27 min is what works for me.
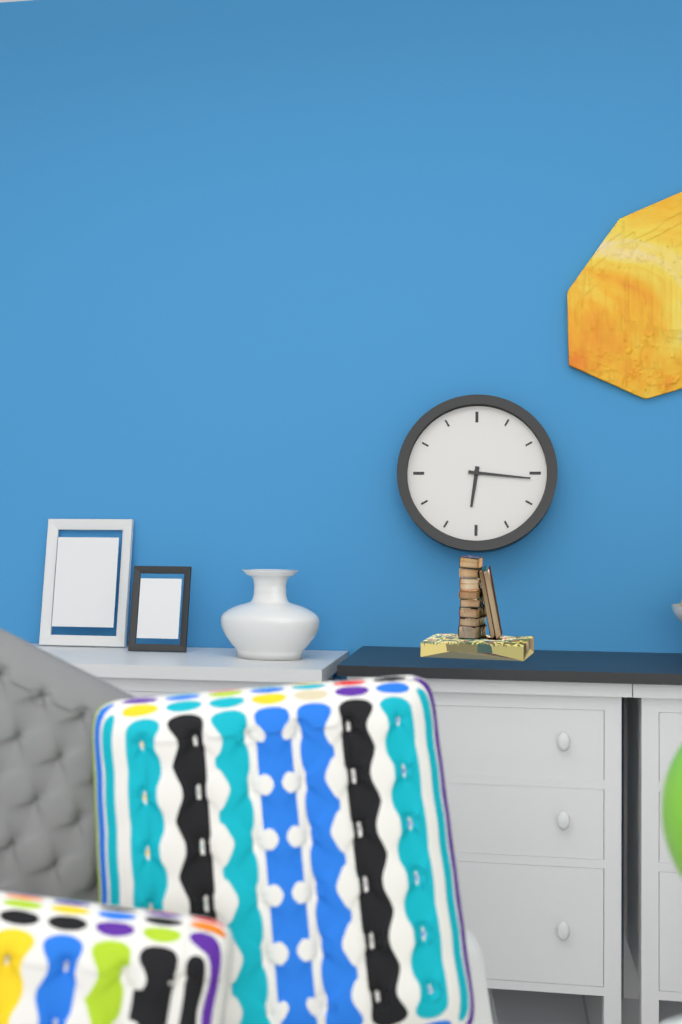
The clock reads 6 h 16 min
